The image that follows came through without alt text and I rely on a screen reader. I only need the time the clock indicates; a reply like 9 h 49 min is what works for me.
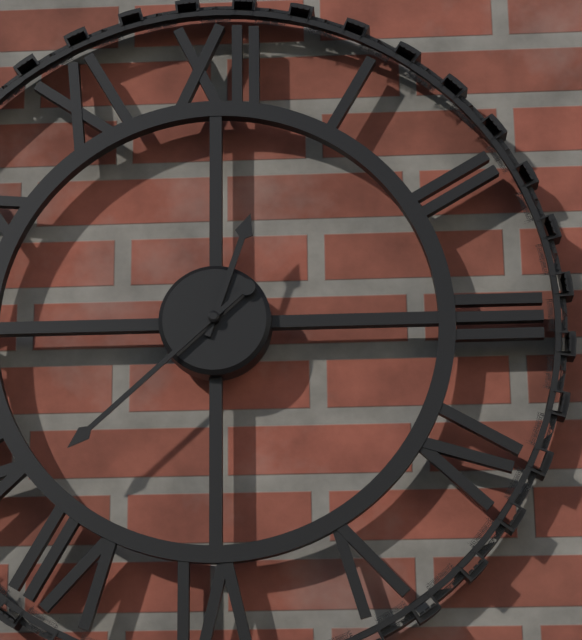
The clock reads 12 h 38 min
